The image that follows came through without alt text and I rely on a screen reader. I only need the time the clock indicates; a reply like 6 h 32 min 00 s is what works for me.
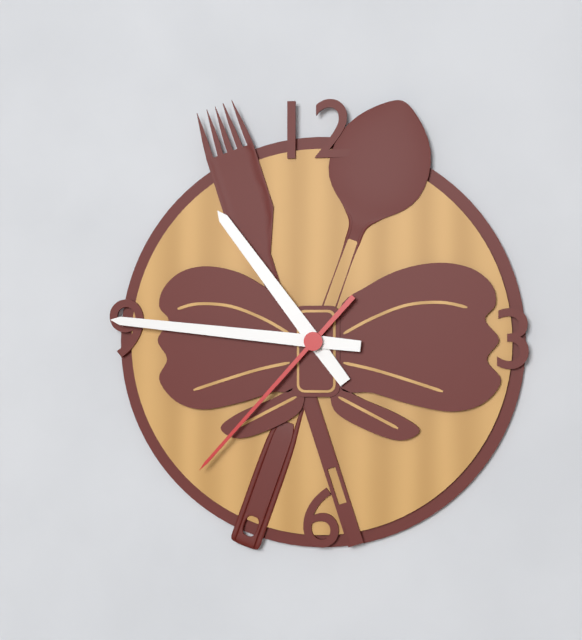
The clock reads 10 h 46 min 37 s
